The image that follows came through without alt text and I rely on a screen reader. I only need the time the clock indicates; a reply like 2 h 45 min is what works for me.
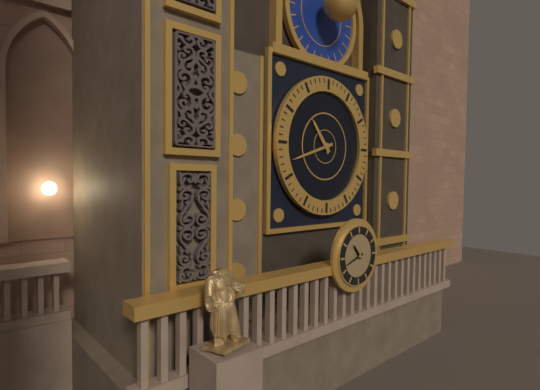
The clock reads 10 h 42 min
